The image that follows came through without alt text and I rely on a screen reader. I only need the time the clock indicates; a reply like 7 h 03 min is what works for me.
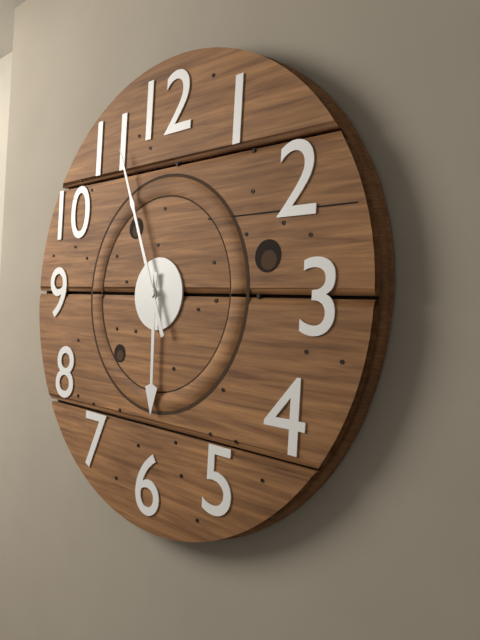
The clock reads 5 h 56 min
